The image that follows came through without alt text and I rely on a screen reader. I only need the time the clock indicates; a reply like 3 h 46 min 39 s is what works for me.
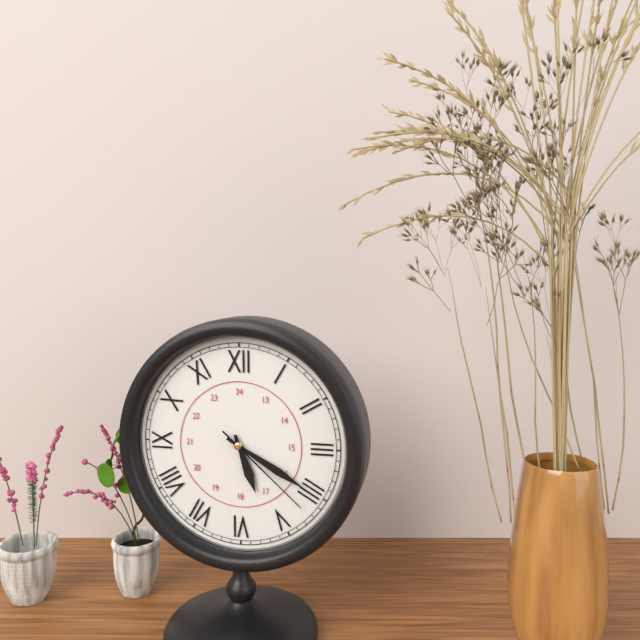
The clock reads 5 h 20 min 22 s
